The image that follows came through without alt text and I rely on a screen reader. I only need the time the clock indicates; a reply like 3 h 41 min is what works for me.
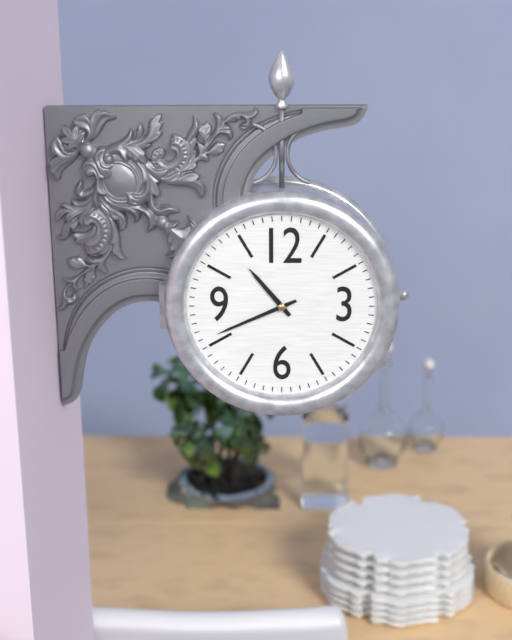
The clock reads 10 h 41 min
